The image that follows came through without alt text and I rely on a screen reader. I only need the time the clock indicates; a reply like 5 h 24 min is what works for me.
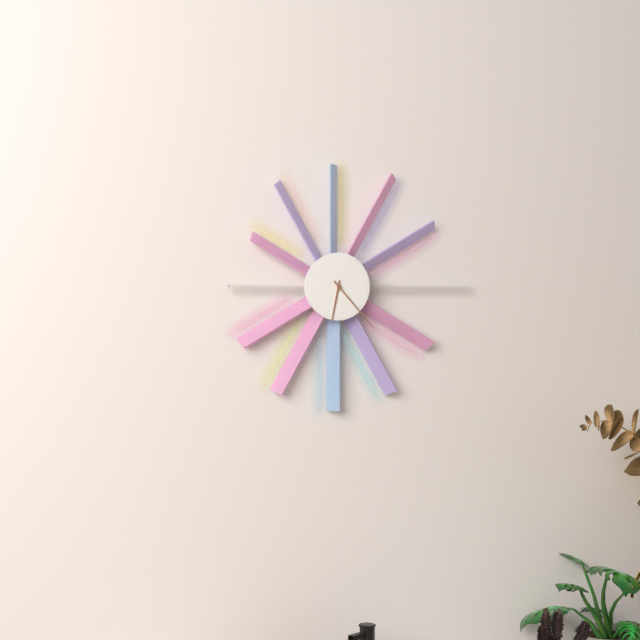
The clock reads 6 h 23 min
